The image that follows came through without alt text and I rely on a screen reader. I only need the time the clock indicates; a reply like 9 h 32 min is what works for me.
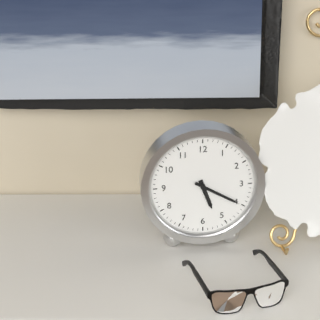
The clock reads 5 h 20 min
